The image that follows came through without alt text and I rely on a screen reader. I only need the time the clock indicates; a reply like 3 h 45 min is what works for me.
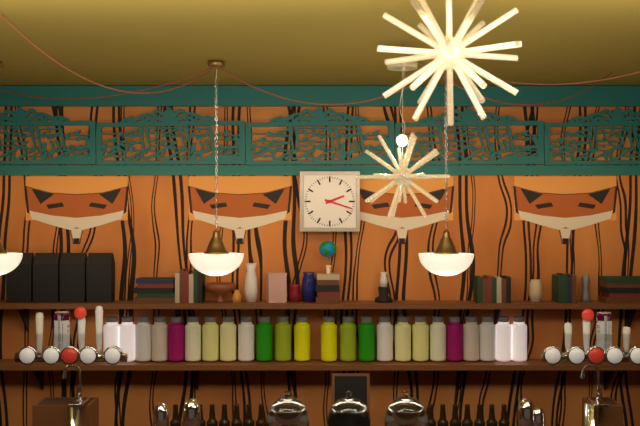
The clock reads 2 h 18 min
